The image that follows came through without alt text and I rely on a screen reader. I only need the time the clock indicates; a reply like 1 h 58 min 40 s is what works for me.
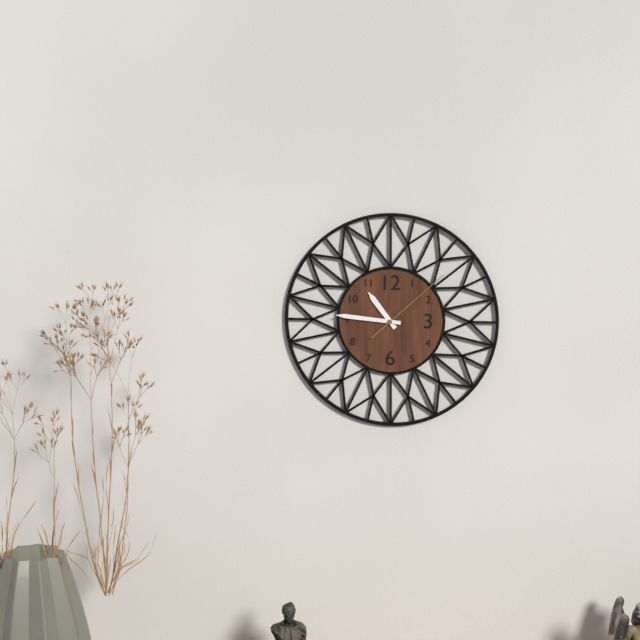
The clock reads 10 h 46 min 08 s
